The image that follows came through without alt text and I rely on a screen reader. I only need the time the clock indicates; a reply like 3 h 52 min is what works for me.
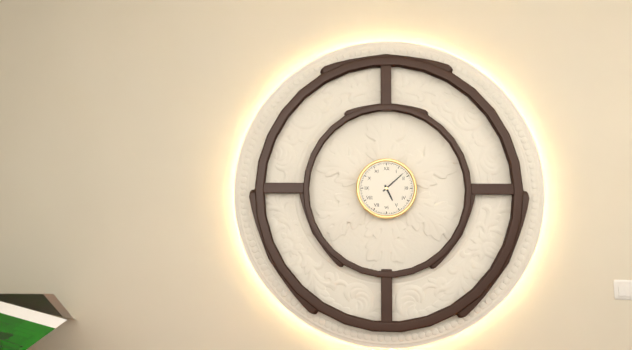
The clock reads 5 h 08 min
